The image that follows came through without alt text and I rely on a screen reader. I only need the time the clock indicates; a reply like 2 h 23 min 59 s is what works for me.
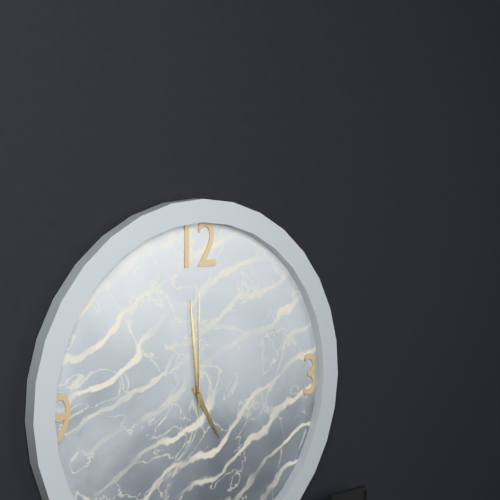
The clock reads 4 h 59 min 00 s
